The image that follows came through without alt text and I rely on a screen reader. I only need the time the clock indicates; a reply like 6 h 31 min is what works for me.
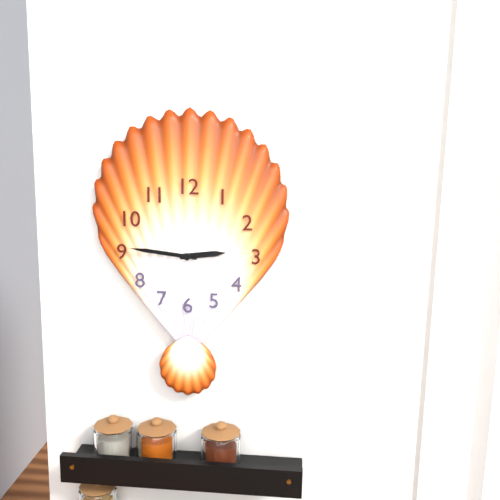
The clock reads 2 h 46 min
